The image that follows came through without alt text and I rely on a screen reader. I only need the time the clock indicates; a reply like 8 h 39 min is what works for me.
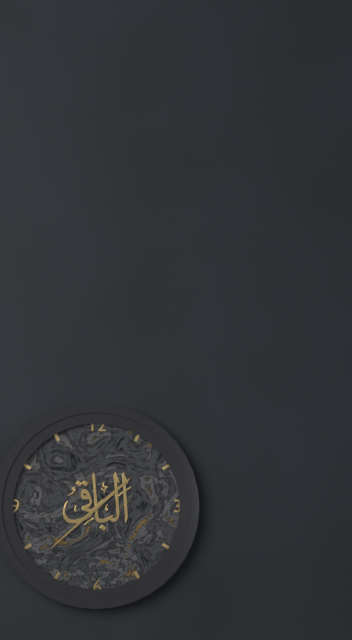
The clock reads 1 h 38 min
